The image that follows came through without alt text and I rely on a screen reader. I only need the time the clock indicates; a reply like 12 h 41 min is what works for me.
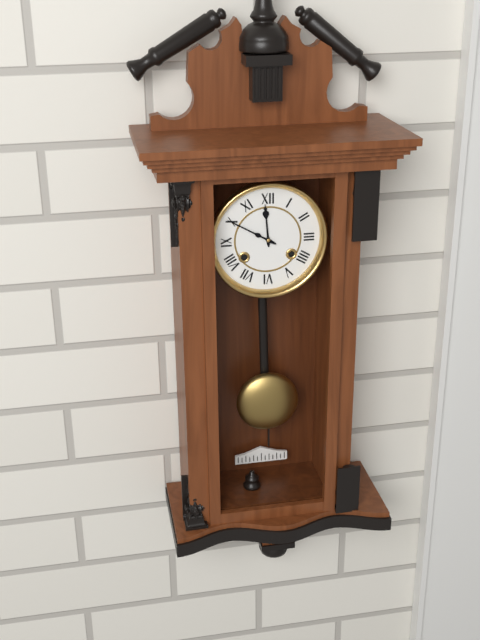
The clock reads 11 h 50 min
